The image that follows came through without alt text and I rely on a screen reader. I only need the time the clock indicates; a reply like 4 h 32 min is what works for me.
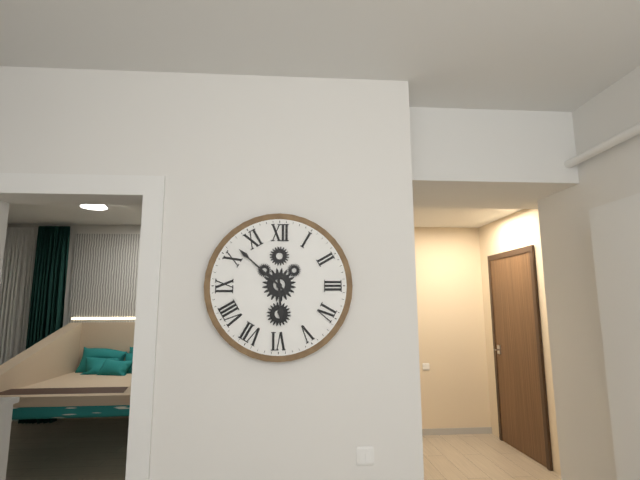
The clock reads 5 h 52 min
